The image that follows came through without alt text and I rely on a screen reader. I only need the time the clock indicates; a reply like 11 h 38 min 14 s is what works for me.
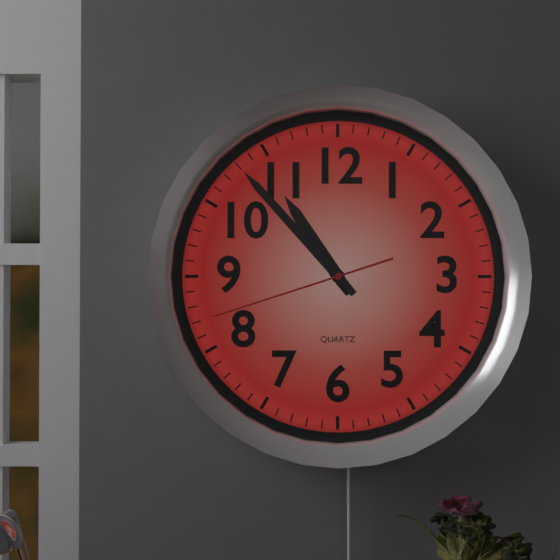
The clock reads 10 h 53 min 42 s
